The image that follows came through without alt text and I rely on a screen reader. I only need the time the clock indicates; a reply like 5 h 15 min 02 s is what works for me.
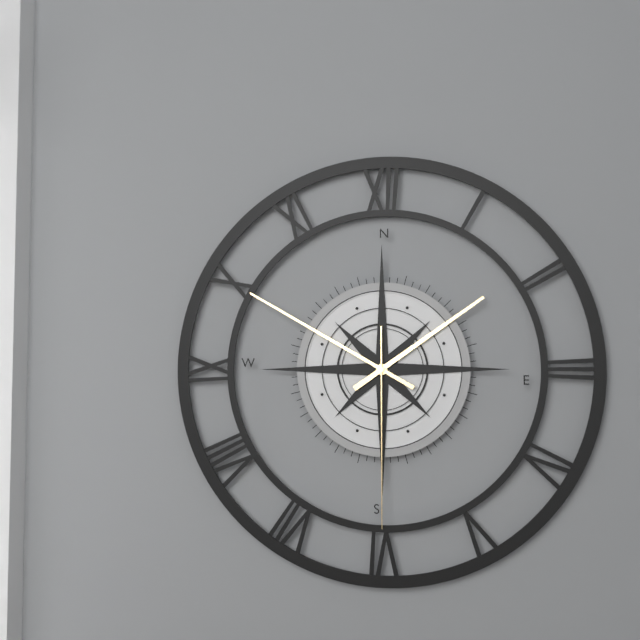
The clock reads 1 h 50 min 30 s
